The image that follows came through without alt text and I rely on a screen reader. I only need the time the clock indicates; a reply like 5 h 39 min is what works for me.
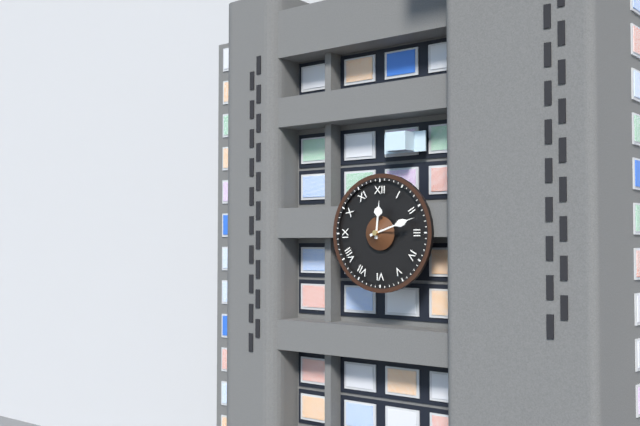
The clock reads 12 h 12 min
